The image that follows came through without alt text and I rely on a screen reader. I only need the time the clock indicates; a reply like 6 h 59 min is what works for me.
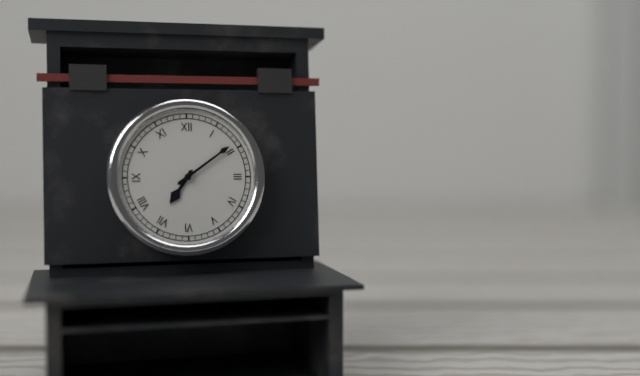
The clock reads 7 h 09 min
